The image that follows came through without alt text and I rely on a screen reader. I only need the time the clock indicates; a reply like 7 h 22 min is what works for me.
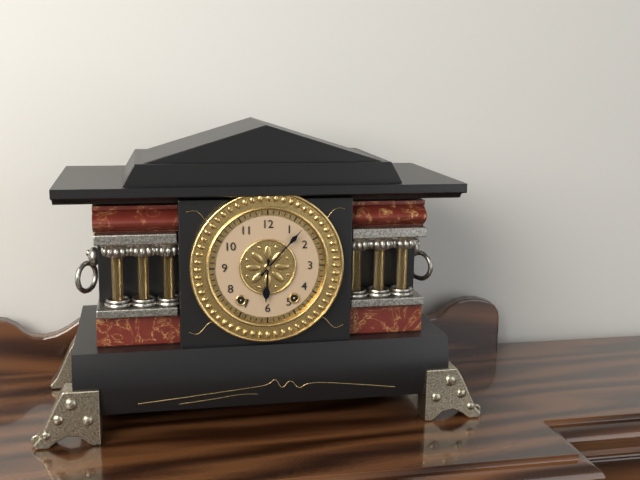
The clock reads 6 h 07 min
